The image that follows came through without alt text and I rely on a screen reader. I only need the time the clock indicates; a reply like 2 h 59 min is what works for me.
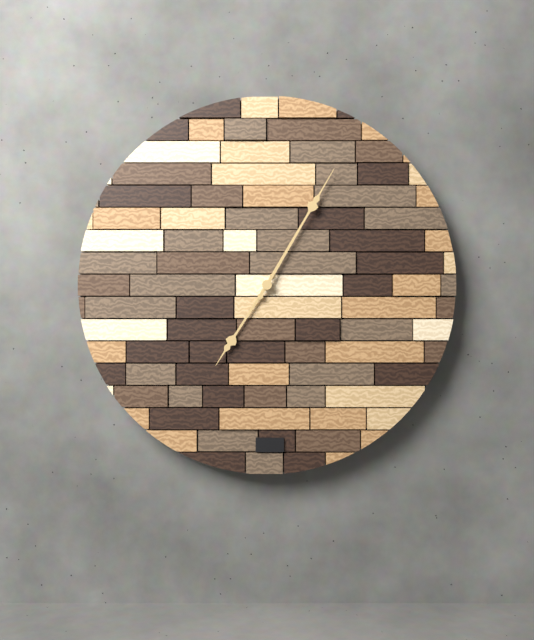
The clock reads 7 h 05 min
